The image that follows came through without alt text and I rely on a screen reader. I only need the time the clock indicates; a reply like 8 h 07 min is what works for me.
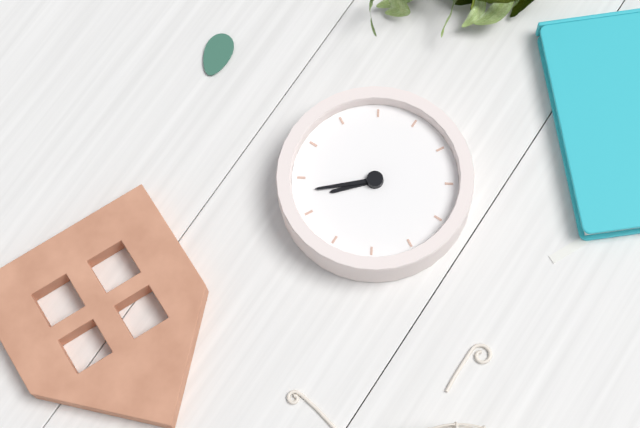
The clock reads 4 h 23 min
